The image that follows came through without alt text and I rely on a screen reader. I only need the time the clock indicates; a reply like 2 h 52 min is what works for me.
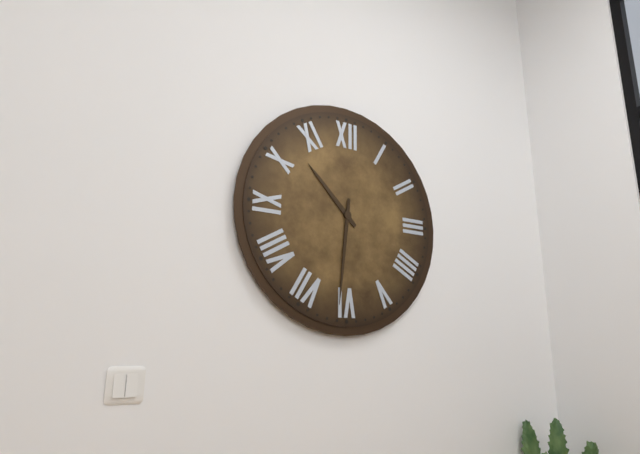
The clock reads 10 h 31 min
